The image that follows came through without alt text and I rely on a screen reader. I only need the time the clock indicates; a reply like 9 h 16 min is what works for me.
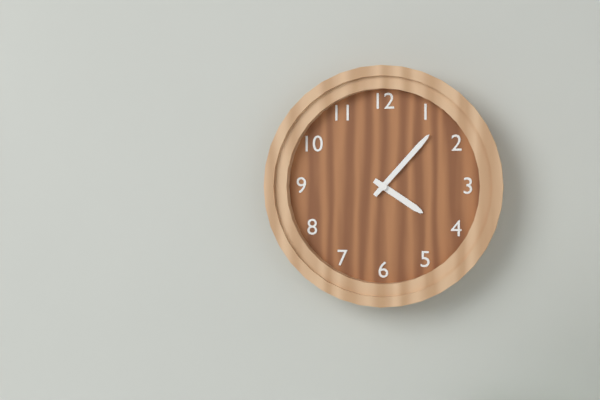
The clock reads 4 h 07 min
